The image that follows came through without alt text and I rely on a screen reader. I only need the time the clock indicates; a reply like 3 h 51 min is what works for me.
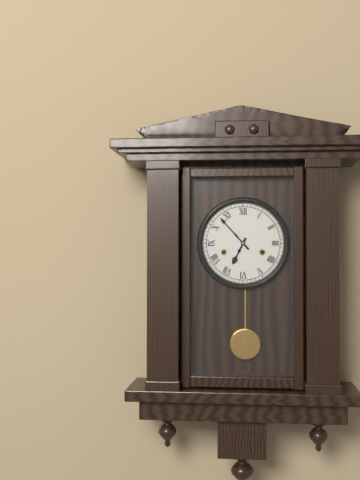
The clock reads 6 h 53 min
